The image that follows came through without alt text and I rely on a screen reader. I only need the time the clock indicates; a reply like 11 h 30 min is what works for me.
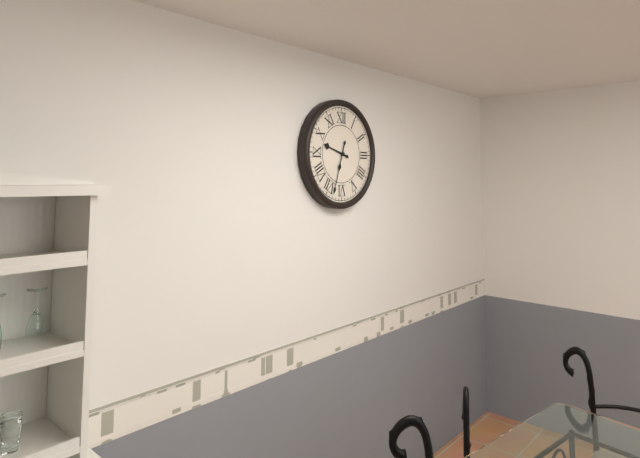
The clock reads 9 h 33 min
